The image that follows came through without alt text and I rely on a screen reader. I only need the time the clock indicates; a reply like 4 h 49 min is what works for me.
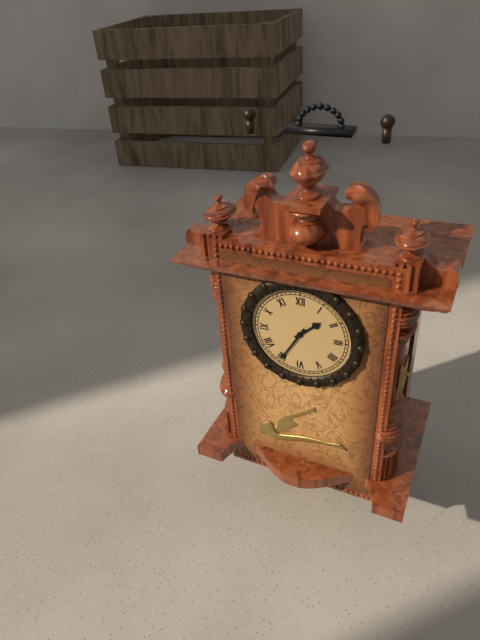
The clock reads 1 h 35 min
